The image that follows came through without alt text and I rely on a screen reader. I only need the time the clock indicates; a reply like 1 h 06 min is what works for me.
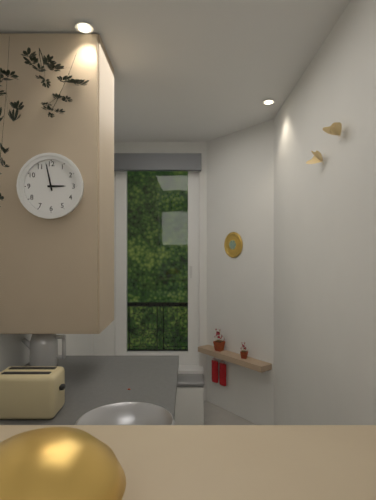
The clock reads 2 h 58 min
